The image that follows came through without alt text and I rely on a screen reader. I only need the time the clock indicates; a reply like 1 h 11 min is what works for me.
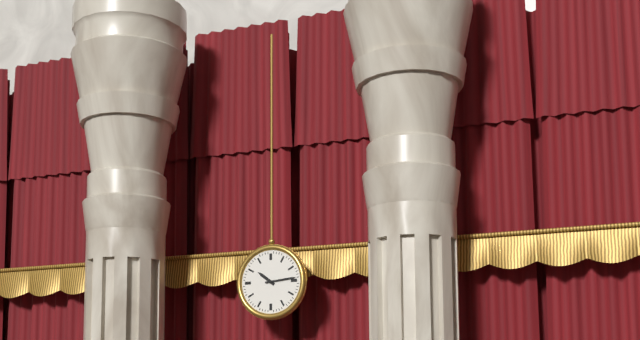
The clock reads 10 h 14 min
